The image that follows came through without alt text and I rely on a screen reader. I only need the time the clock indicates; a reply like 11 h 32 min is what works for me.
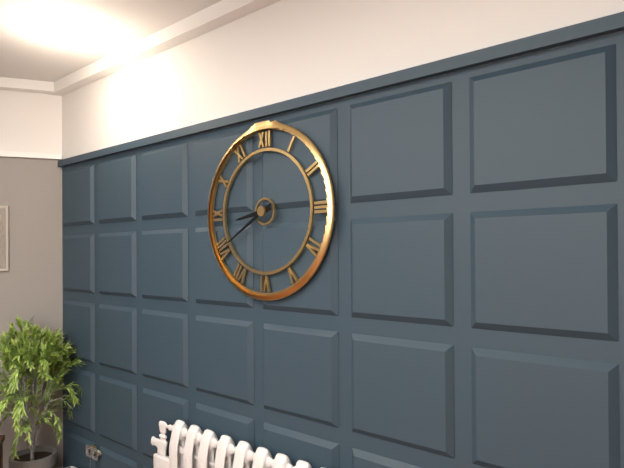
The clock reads 8 h 40 min
